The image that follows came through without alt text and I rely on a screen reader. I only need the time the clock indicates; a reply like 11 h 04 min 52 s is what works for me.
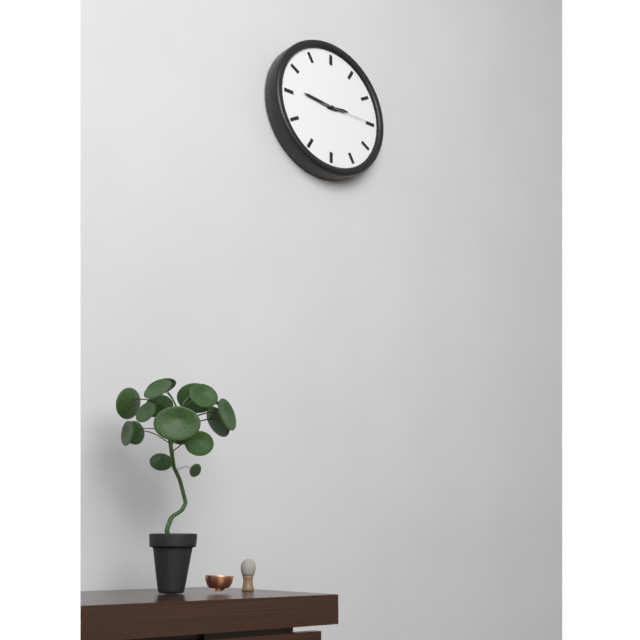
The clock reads 2 h 46 min 15 s
